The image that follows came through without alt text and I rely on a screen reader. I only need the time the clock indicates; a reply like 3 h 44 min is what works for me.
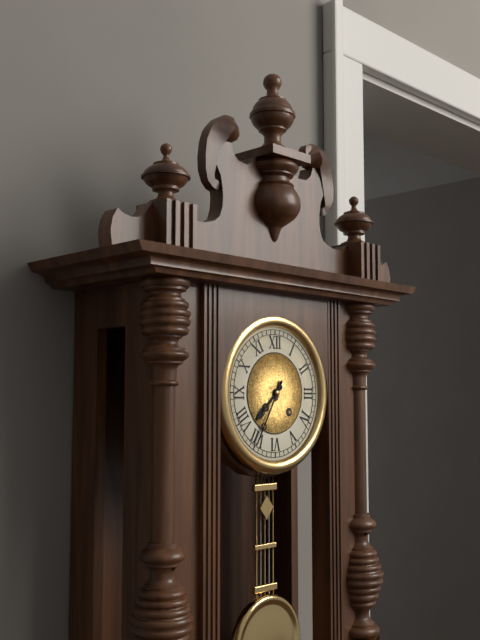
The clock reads 7 h 35 min
